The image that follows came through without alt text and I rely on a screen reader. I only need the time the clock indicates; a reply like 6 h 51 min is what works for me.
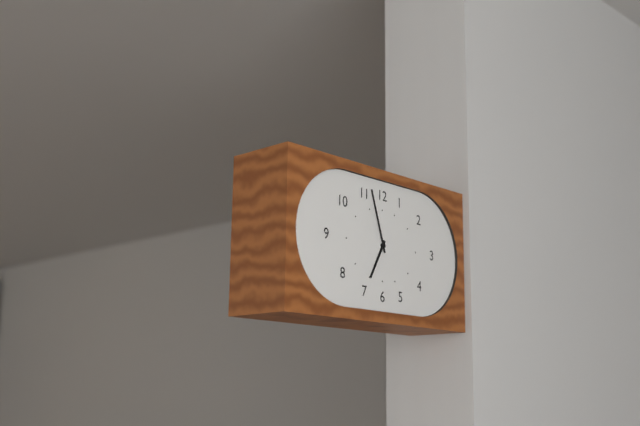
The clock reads 6 h 57 min
